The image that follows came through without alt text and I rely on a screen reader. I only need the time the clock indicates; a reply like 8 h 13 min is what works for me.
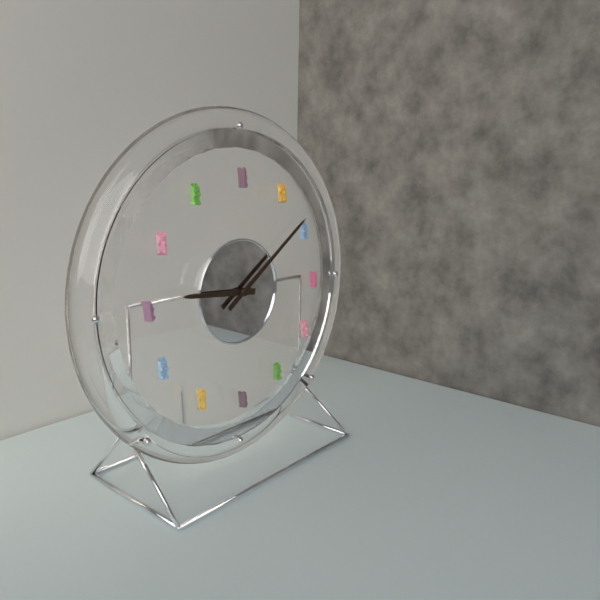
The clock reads 9 h 09 min
